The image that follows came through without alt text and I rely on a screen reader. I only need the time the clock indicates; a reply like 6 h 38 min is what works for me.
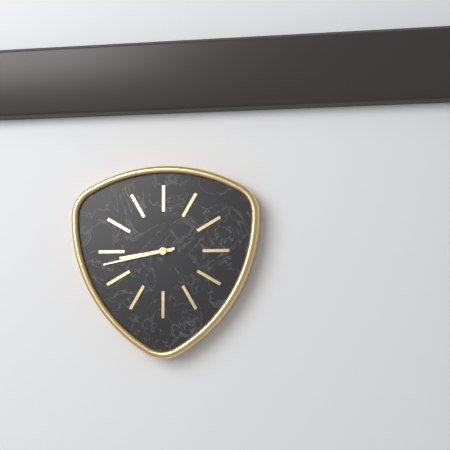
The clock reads 8 h 43 min
